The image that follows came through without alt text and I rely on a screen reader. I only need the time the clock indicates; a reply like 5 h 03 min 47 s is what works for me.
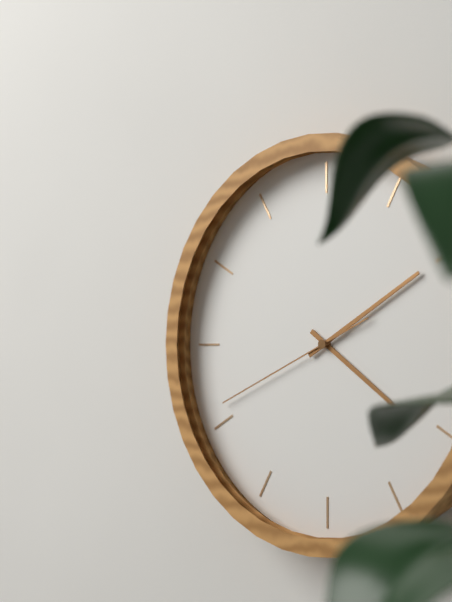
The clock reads 4 h 10 min 41 s
